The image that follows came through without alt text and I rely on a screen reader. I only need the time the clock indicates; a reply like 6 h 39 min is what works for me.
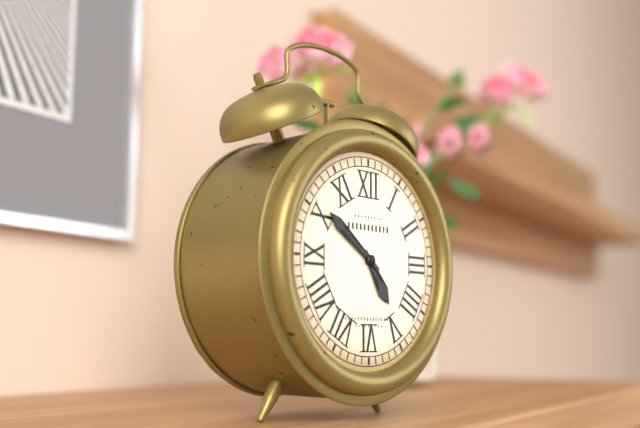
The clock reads 4 h 51 min
